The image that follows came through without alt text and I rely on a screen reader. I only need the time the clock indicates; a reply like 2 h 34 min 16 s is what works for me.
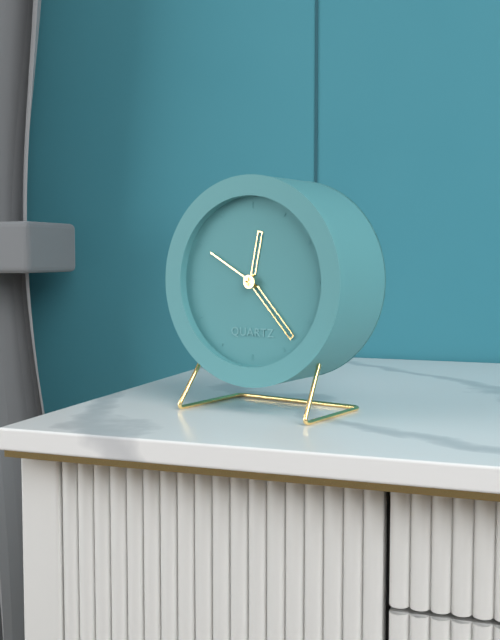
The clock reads 12 h 23 min 50 s
